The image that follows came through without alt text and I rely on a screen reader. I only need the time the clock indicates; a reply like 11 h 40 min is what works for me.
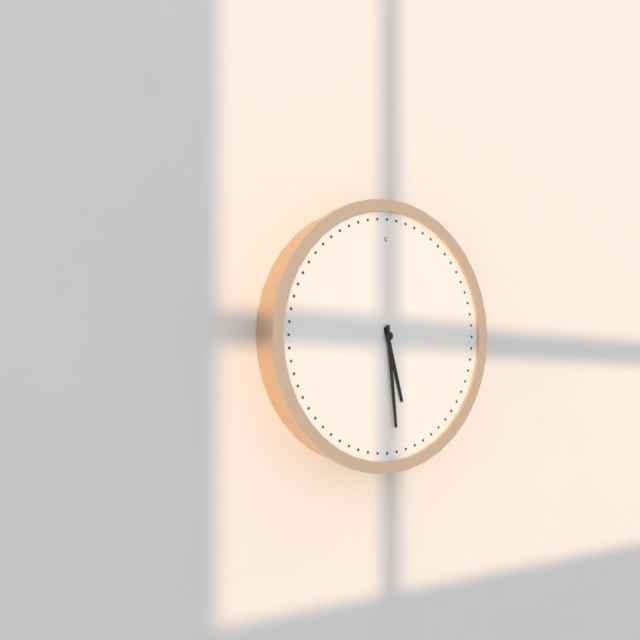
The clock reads 5 h 29 min
